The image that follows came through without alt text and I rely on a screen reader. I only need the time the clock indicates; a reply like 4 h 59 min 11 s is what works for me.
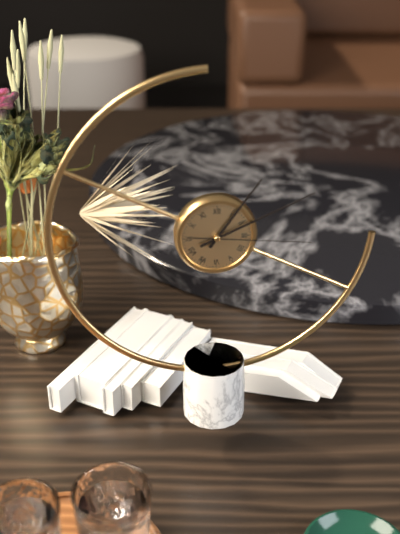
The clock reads 1 h 11 min 16 s
